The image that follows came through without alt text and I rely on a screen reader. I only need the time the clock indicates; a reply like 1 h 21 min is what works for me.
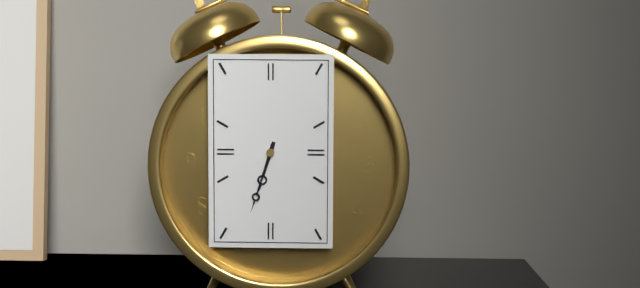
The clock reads 6 h 33 min
